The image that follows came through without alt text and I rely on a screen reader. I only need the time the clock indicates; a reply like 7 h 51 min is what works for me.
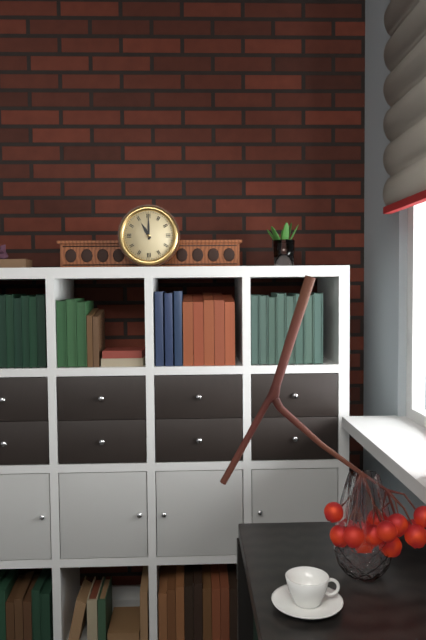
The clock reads 11 h 00 min
